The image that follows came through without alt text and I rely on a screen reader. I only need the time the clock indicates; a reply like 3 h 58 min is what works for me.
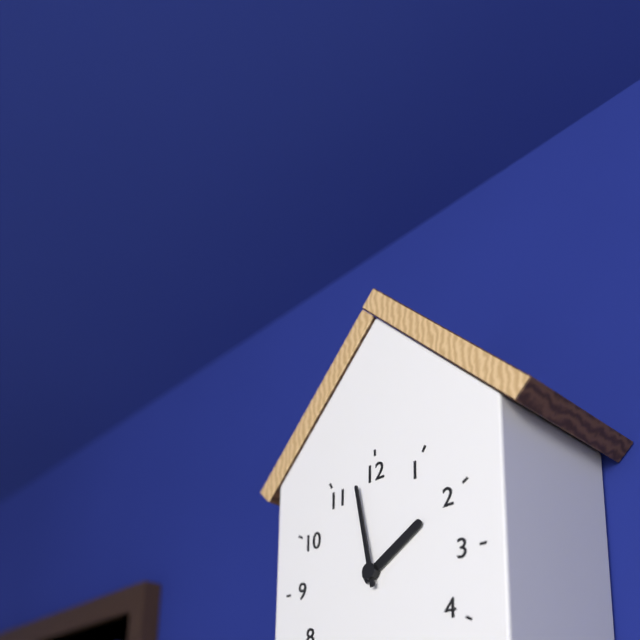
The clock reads 1 h 58 min
